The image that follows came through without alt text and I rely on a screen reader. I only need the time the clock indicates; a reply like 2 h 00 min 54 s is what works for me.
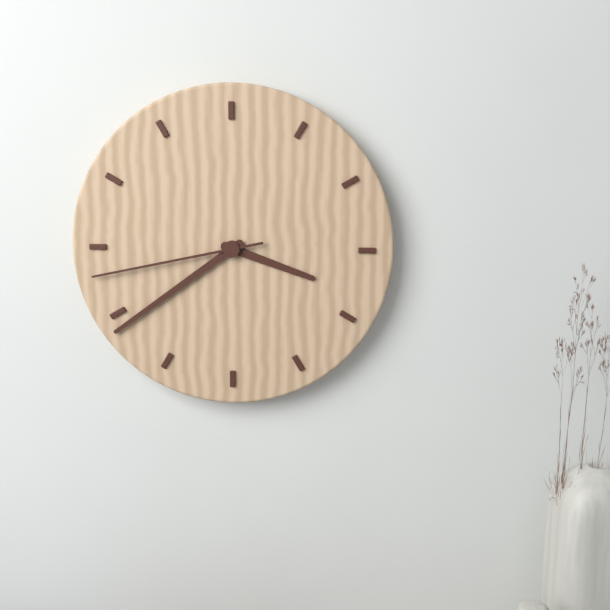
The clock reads 3 h 39 min 43 s
